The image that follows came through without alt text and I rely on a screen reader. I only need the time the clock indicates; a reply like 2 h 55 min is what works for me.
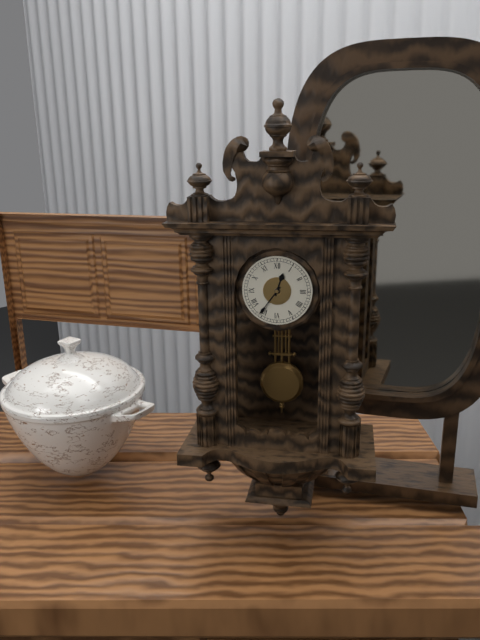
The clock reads 12 h 36 min
